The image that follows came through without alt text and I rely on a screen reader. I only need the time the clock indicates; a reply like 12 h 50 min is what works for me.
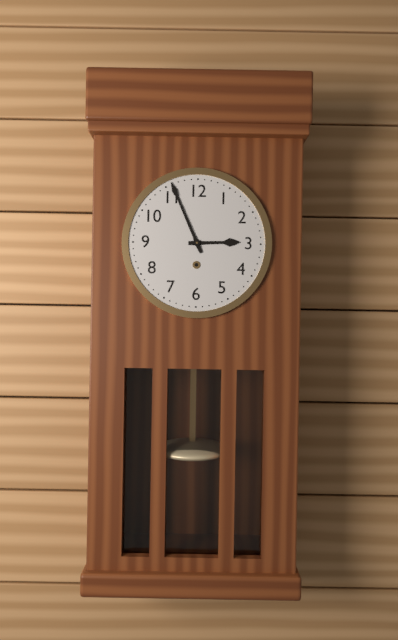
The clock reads 2 h 56 min
